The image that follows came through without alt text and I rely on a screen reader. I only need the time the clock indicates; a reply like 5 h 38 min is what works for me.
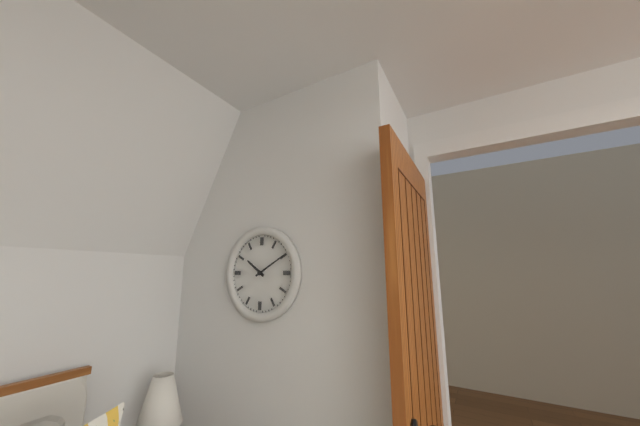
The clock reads 10 h 10 min
